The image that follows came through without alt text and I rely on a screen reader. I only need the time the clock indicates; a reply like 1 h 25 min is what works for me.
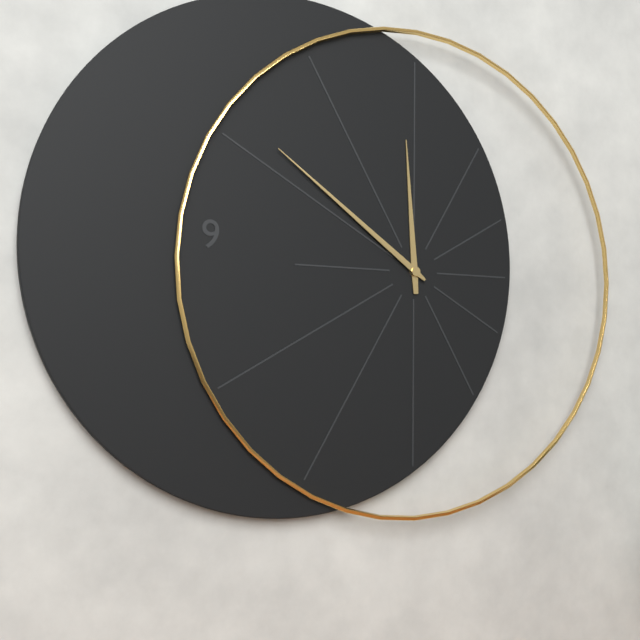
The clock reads 11 h 51 min
